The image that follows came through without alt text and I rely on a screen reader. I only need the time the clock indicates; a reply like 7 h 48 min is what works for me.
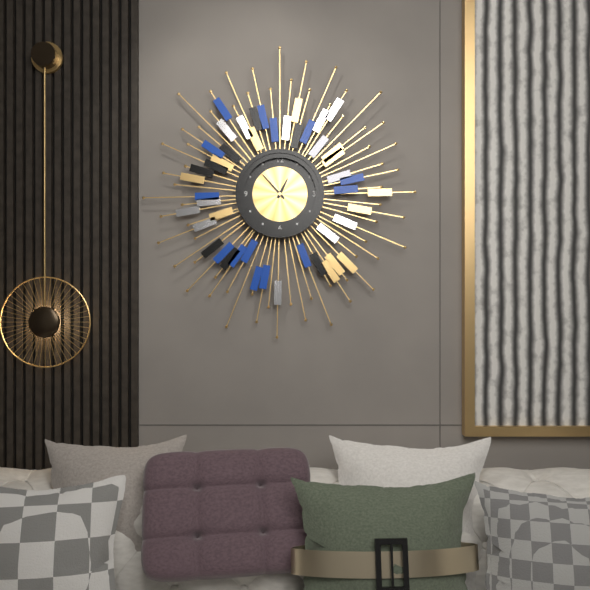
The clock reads 12 h 53 min
